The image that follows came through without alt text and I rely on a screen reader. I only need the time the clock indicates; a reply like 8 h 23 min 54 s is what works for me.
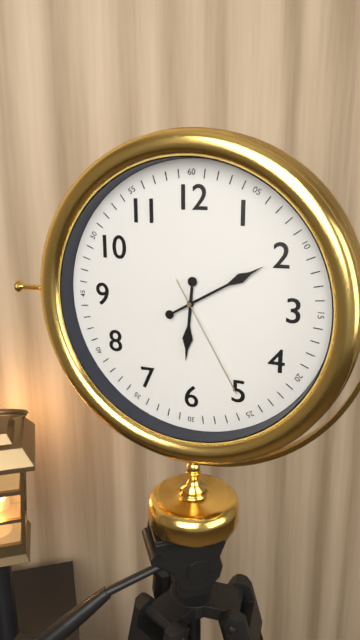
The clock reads 6 h 10 min 25 s
